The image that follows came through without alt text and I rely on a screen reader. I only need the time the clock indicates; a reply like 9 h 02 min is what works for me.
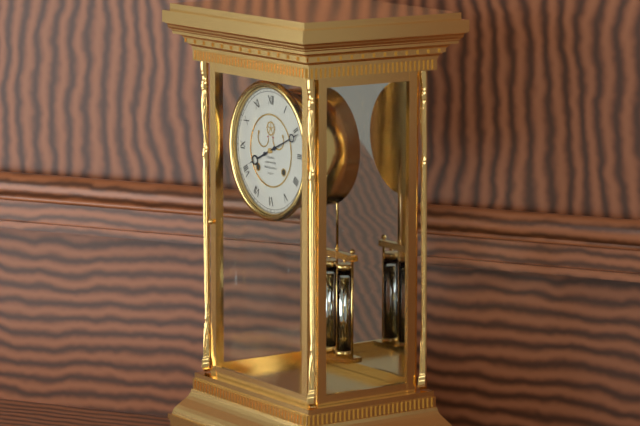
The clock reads 8 h 11 min
